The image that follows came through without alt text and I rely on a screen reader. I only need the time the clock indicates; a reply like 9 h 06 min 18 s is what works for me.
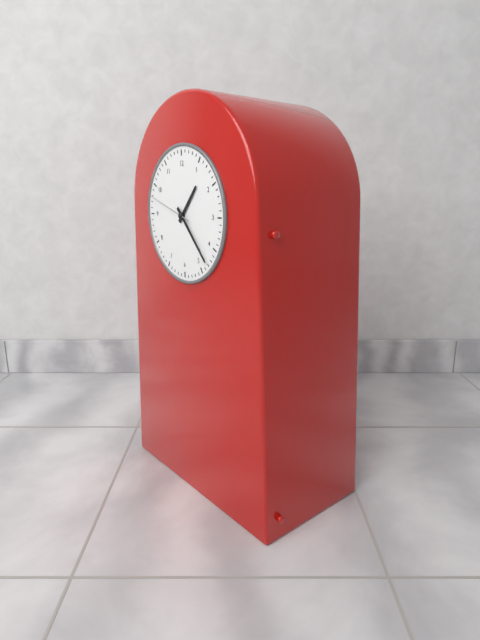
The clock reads 1 h 23 min 48 s
